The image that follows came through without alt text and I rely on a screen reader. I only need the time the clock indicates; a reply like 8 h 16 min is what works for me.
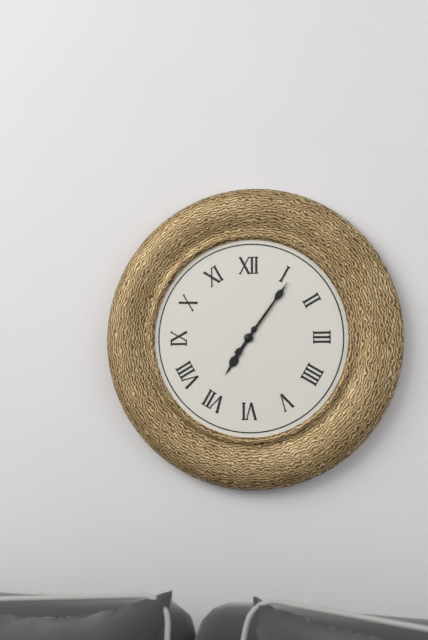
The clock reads 7 h 06 min
